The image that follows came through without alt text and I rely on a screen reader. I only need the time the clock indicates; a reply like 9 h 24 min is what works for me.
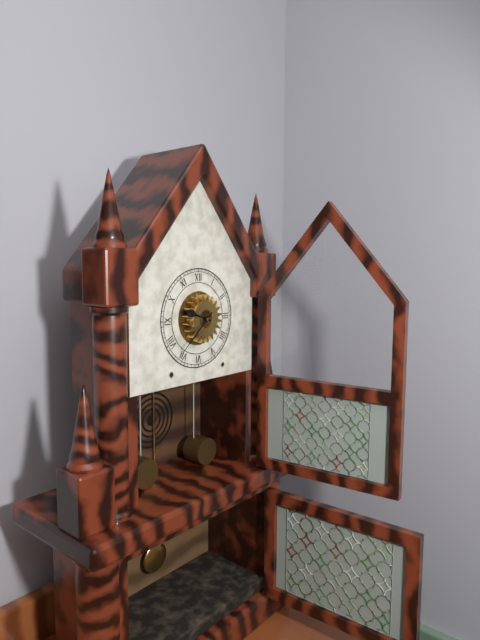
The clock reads 9 h 38 min
